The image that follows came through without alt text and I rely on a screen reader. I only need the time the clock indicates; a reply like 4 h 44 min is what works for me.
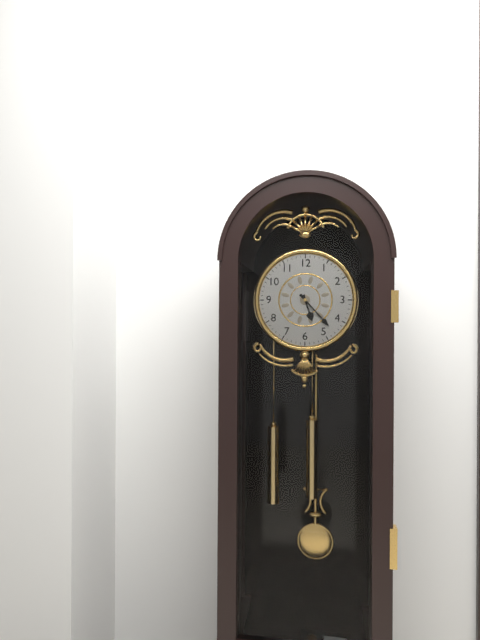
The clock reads 5 h 23 min
